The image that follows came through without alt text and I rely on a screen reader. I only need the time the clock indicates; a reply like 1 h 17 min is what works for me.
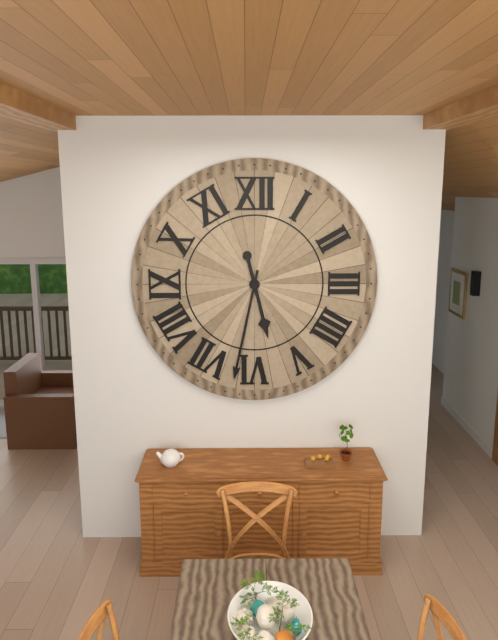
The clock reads 5 h 32 min
